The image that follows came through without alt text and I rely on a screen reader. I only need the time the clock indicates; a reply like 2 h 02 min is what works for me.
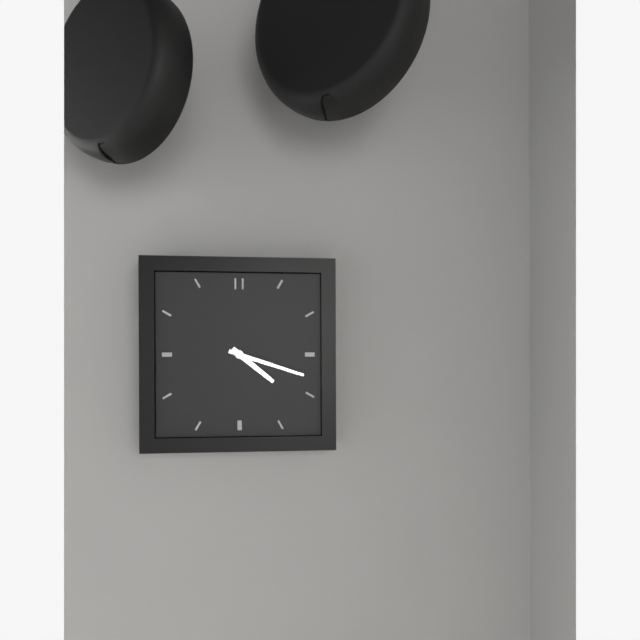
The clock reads 4 h 18 min
